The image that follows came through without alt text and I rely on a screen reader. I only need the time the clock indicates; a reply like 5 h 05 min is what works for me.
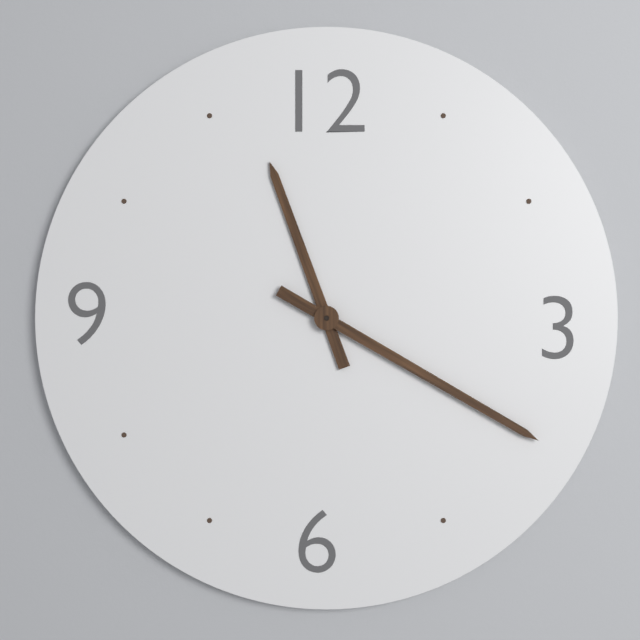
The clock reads 11 h 20 min
